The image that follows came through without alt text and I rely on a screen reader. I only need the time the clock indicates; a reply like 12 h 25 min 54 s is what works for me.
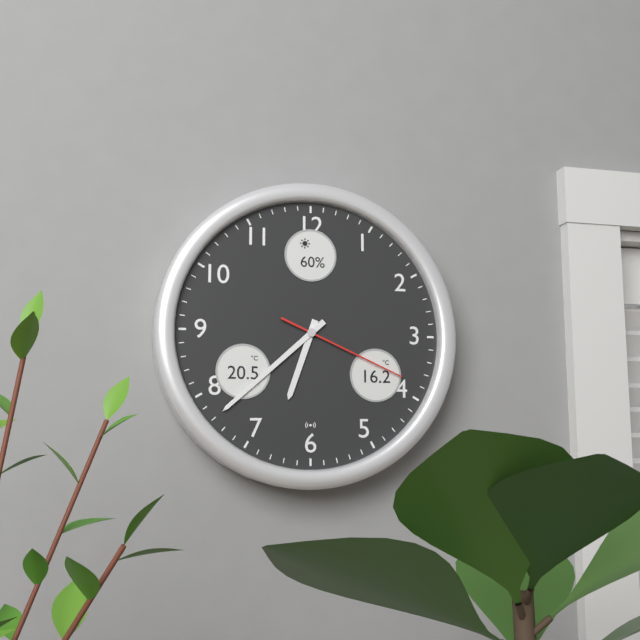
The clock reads 6 h 38 min 19 s
